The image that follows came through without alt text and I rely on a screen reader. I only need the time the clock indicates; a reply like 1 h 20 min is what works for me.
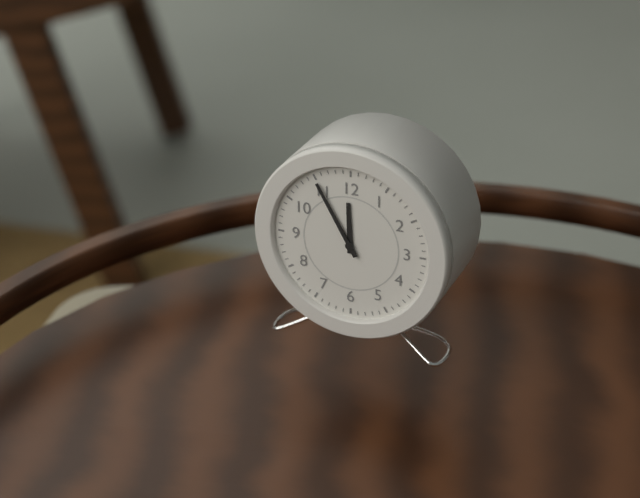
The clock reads 11 h 55 min
